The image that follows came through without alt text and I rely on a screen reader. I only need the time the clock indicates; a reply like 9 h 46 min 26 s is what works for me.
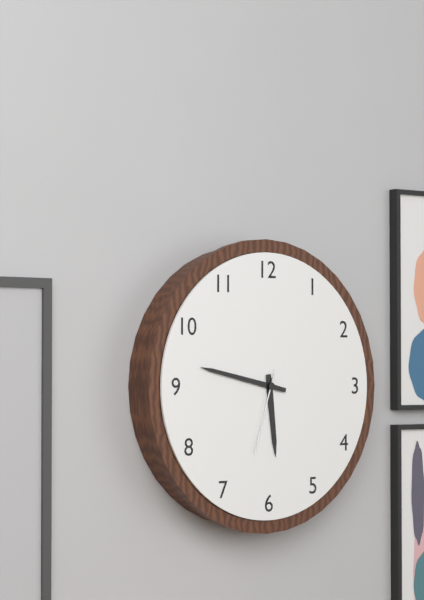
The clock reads 5 h 47 min 33 s
